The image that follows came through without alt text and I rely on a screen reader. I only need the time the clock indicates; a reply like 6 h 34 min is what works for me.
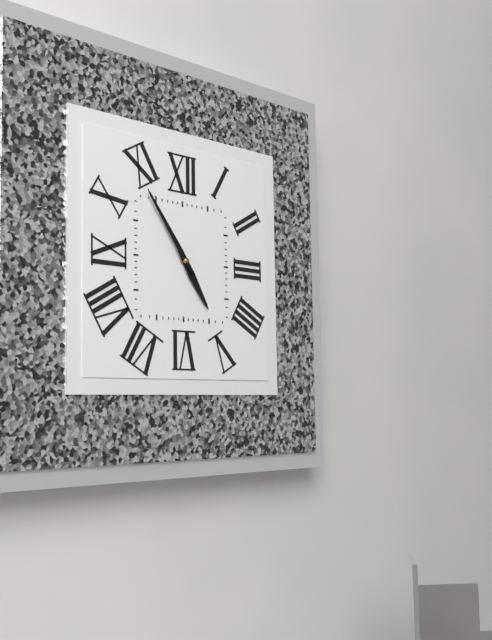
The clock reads 4 h 54 min
